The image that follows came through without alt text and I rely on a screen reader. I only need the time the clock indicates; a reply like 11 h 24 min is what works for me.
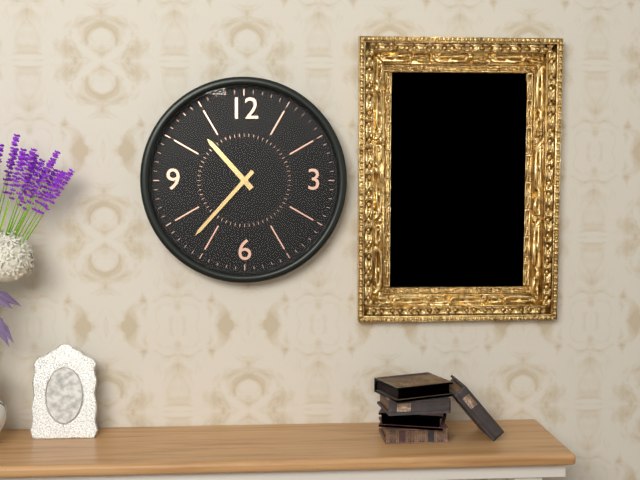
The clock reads 10 h 37 min
